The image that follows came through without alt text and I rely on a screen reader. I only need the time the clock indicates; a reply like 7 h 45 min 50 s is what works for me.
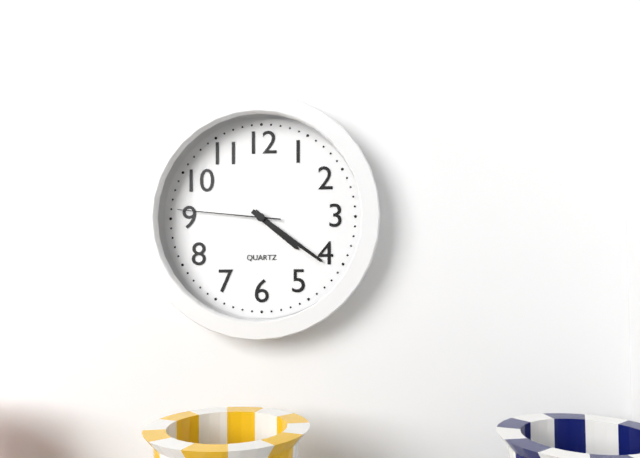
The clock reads 4 h 21 min 46 s
